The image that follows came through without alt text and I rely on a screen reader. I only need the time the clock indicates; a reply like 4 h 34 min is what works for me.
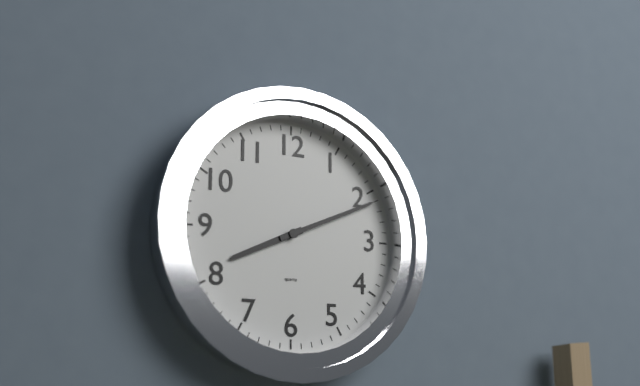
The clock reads 8 h 11 min
